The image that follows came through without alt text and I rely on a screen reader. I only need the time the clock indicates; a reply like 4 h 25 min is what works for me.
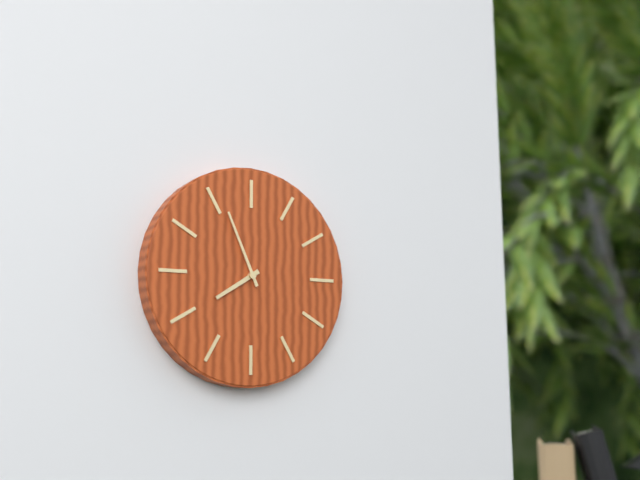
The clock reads 7 h 56 min
